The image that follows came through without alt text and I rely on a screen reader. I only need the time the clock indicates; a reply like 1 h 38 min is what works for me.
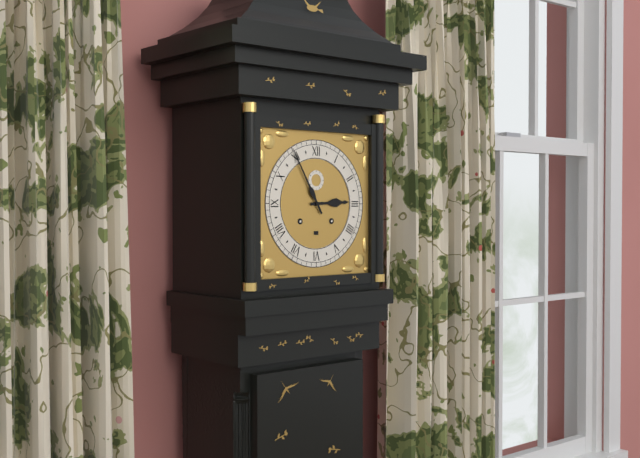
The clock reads 2 h 55 min
